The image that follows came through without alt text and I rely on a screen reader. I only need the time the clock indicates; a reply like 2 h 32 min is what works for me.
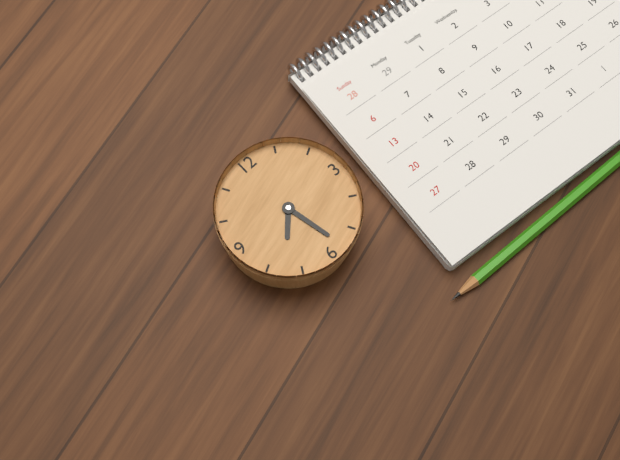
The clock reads 7 h 28 min
